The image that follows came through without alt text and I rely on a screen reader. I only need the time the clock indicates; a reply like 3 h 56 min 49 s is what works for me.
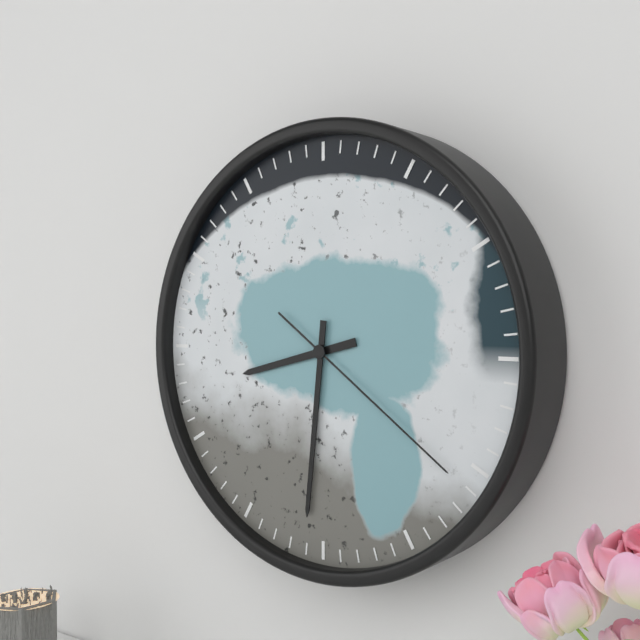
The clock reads 8 h 31 min 21 s
